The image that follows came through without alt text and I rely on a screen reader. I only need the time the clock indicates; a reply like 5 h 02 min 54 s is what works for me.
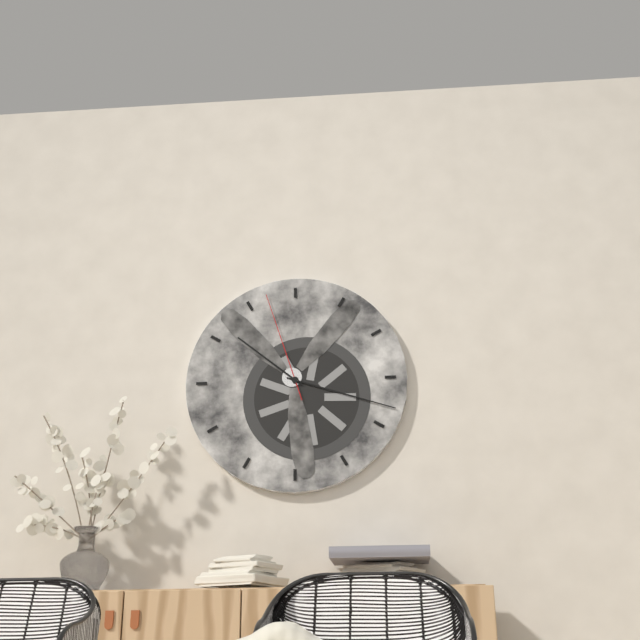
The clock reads 10 h 18 min 57 s
